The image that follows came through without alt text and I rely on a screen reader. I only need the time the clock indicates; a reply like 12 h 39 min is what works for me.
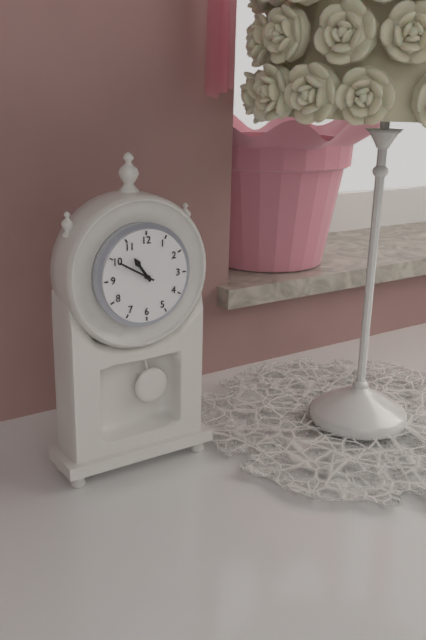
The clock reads 10 h 50 min
